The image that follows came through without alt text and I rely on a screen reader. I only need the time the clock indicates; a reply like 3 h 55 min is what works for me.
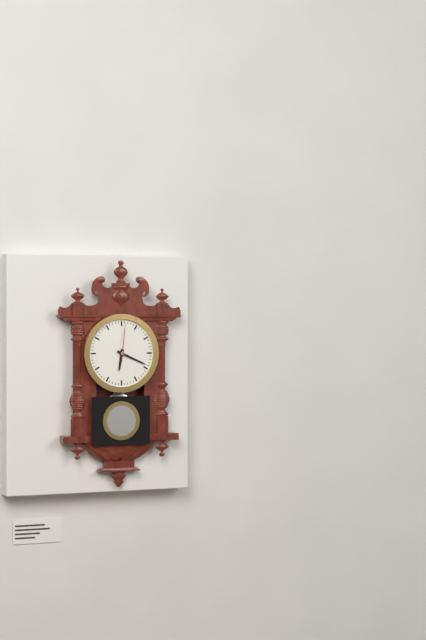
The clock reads 6 h 19 min
